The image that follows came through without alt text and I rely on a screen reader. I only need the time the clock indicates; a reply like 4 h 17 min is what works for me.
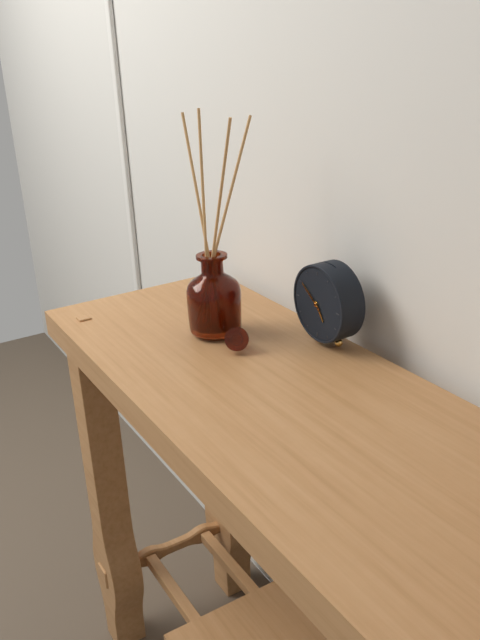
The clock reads 4 h 51 min
